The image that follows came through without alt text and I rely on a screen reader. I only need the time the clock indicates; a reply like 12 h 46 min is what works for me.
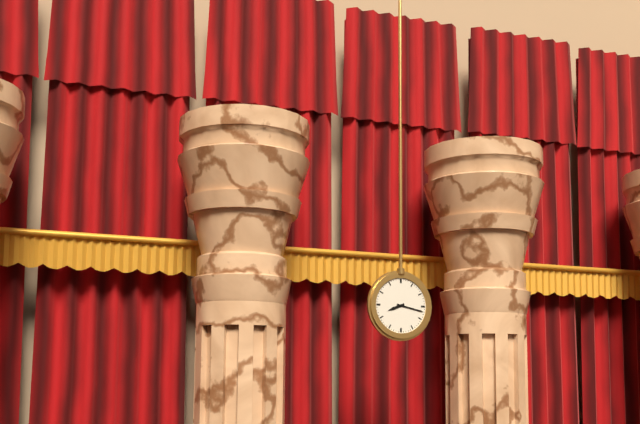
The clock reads 8 h 17 min
